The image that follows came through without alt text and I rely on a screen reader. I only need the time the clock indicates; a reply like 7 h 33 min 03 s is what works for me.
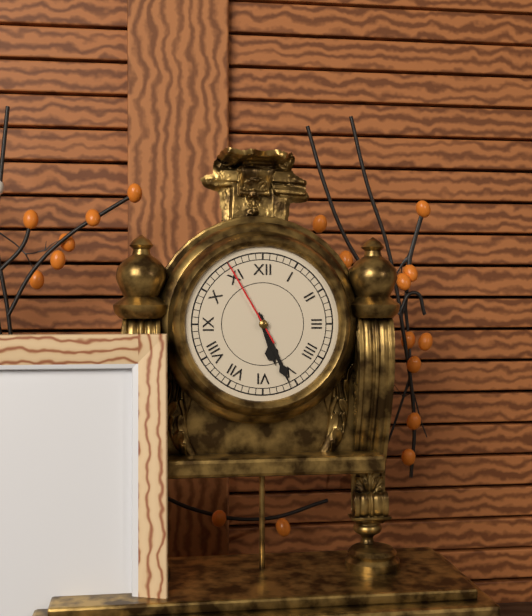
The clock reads 5 h 26 min 55 s
